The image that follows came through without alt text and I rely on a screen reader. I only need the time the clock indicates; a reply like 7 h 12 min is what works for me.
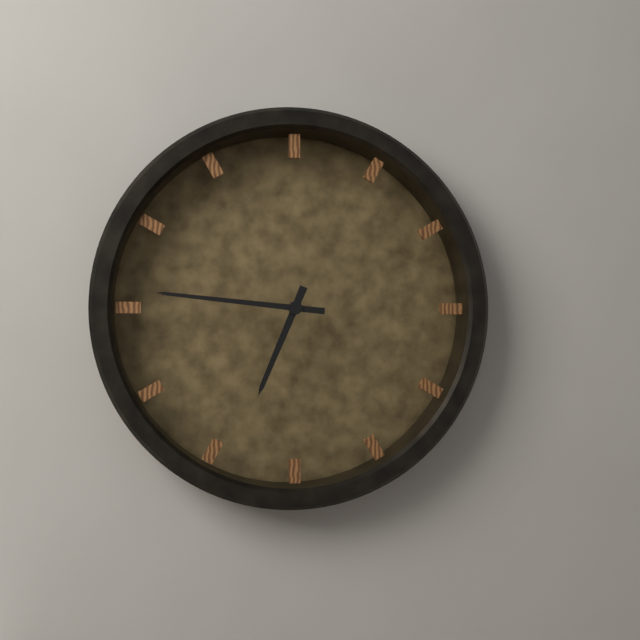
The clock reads 6 h 46 min
